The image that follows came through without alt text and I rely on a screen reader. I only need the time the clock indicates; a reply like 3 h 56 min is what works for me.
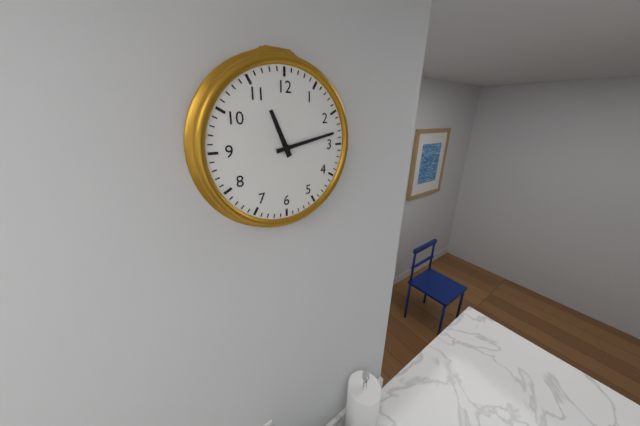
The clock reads 11 h 13 min
